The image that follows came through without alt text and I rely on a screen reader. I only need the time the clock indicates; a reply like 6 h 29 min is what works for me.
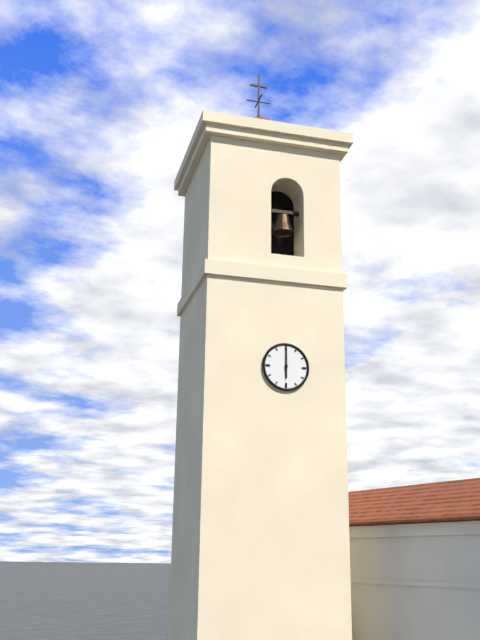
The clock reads 6 h 00 min
